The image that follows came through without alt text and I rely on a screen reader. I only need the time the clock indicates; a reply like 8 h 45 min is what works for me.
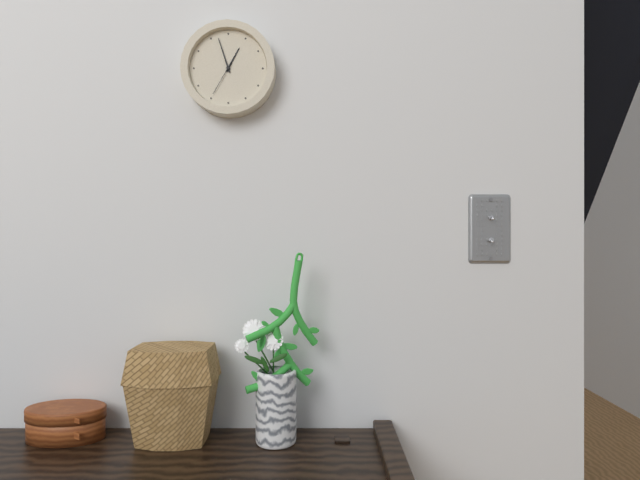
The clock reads 12 h 57 min
